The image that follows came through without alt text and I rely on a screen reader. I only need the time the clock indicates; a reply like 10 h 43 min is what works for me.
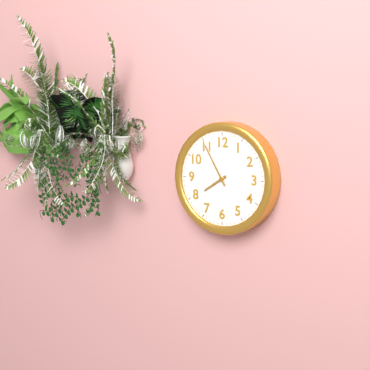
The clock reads 7 h 55 min
